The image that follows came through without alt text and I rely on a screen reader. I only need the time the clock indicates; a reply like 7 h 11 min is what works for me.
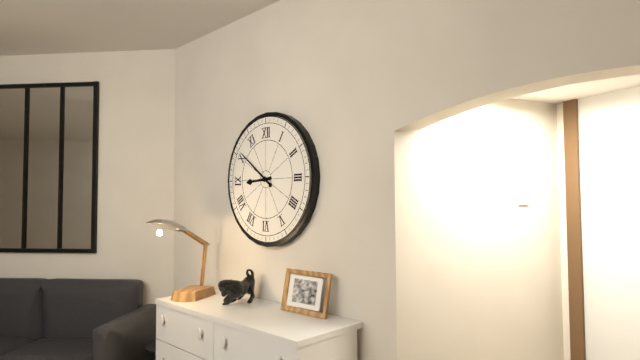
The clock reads 8 h 51 min
